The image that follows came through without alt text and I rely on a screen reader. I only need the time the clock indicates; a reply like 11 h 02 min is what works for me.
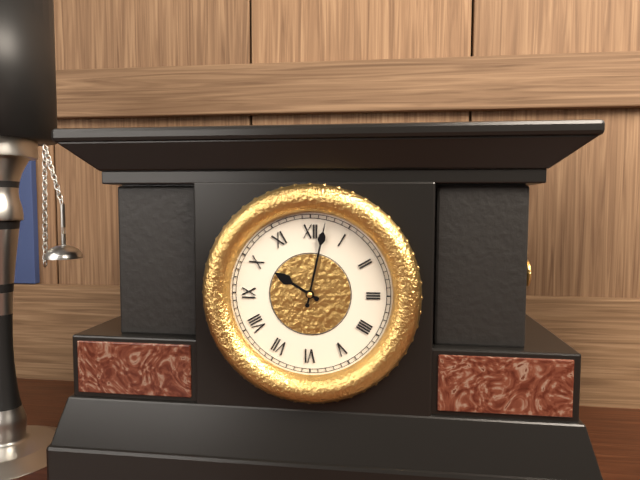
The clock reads 10 h 02 min
